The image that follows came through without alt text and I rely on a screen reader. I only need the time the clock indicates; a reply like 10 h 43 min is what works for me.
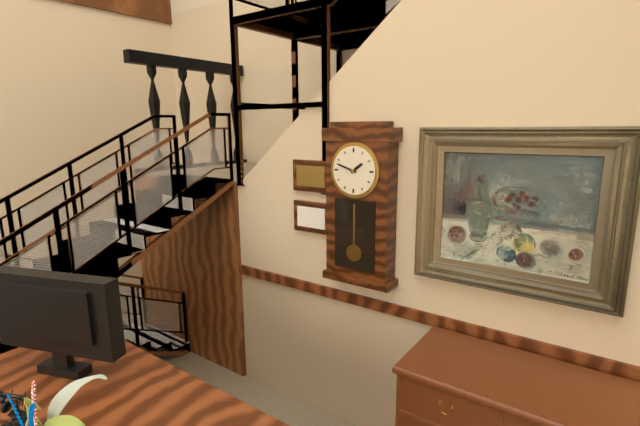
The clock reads 1 h 48 min
